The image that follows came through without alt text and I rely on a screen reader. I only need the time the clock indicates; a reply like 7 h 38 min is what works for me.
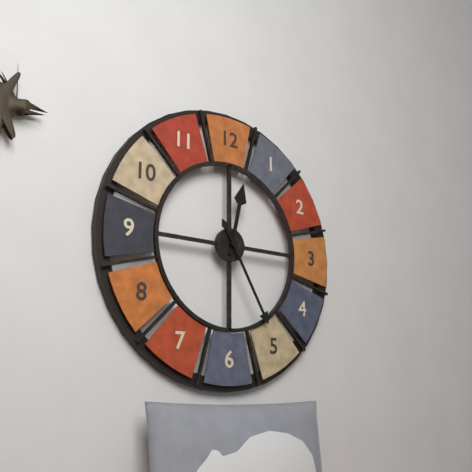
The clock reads 12 h 25 min
